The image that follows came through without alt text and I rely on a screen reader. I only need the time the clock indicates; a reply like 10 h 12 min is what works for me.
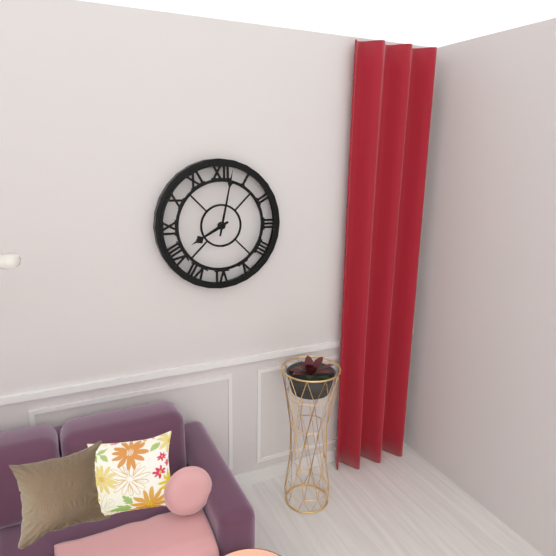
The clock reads 8 h 02 min
